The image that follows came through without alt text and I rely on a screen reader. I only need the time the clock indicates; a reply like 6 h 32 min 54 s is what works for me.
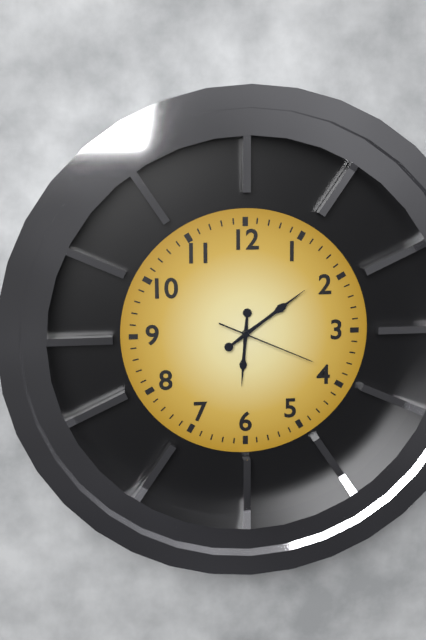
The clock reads 6 h 09 min 19 s
